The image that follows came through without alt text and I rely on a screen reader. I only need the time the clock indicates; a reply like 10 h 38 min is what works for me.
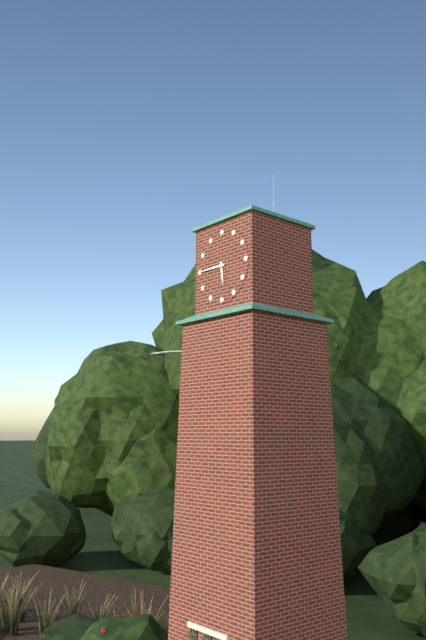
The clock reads 5 h 45 min
